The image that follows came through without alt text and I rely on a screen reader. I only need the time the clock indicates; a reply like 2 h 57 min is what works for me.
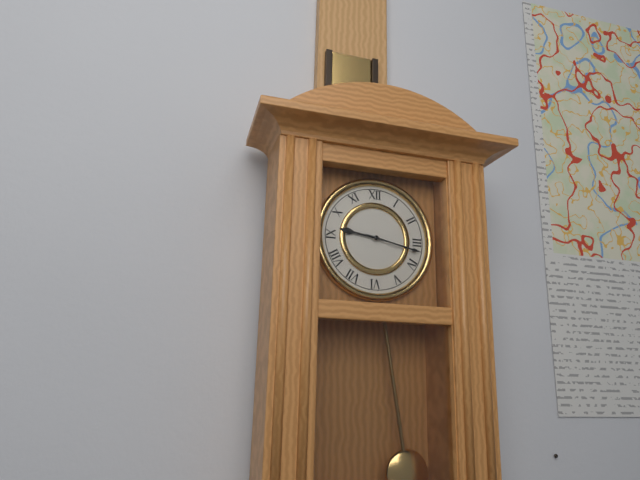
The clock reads 9 h 17 min
